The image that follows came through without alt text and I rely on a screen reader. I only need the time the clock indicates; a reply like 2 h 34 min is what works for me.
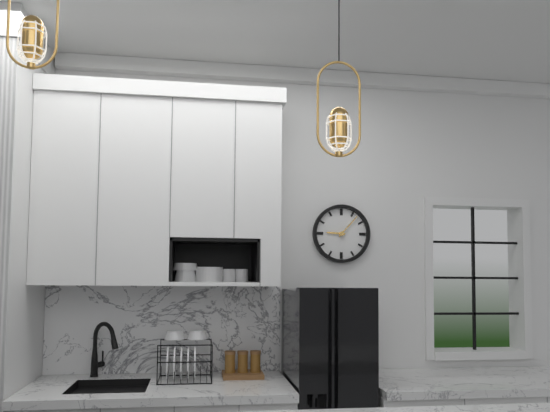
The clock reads 9 h 07 min
